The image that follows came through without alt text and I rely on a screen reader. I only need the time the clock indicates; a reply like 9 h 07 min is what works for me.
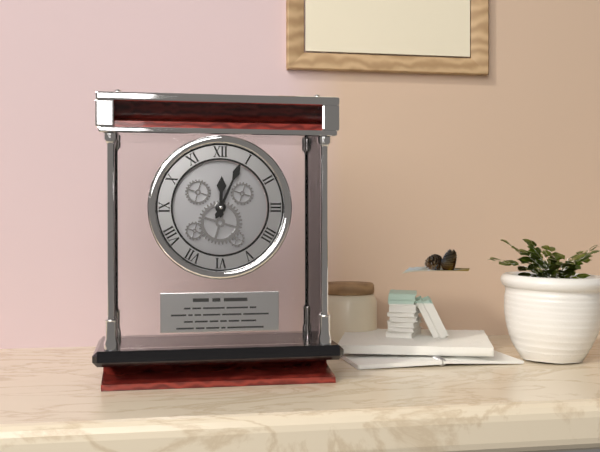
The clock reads 12 h 04 min
